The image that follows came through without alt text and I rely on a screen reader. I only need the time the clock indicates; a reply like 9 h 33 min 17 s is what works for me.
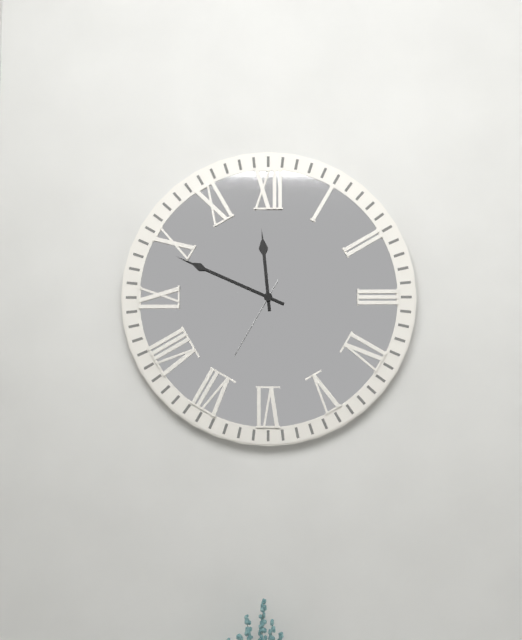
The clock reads 11 h 49 min 35 s
